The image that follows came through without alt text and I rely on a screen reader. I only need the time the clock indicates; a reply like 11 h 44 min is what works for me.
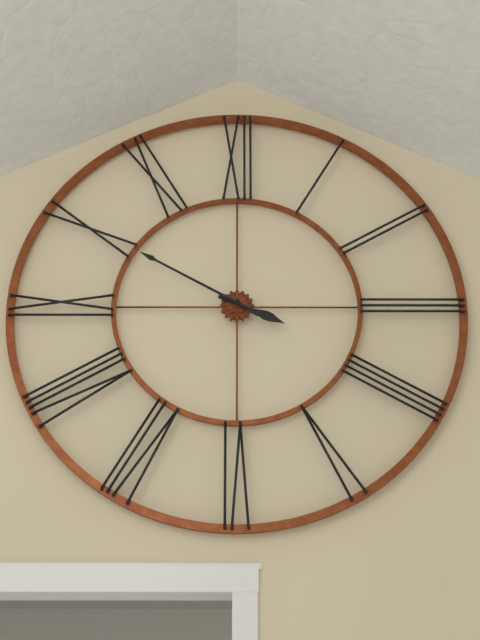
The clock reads 3 h 50 min
